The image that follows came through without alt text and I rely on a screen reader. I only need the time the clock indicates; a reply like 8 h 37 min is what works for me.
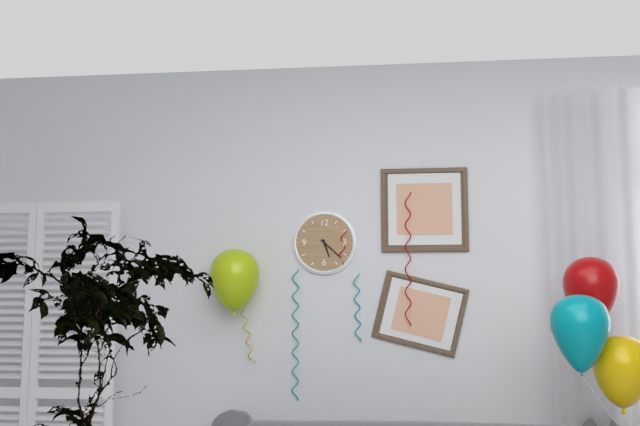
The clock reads 5 h 22 min
